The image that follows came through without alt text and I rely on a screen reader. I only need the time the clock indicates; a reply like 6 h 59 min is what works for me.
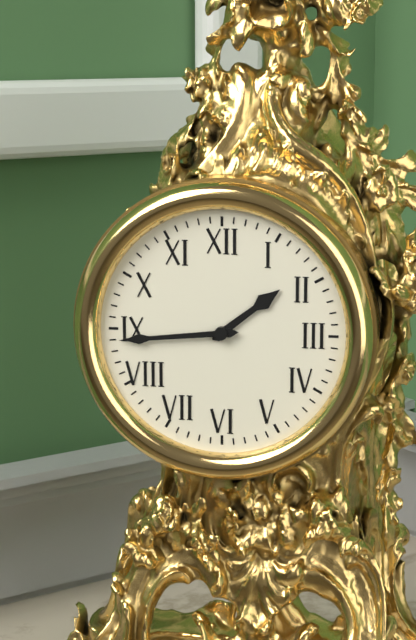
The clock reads 1 h 44 min
